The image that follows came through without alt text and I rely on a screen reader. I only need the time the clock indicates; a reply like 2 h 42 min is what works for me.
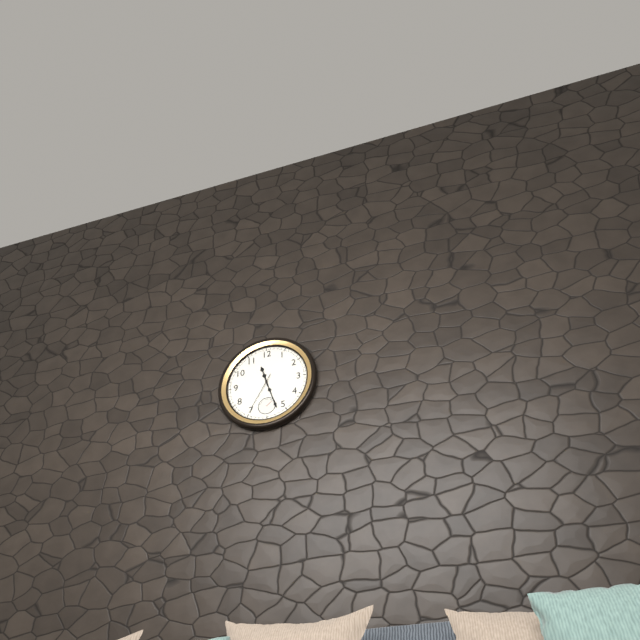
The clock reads 11 h 27 min
